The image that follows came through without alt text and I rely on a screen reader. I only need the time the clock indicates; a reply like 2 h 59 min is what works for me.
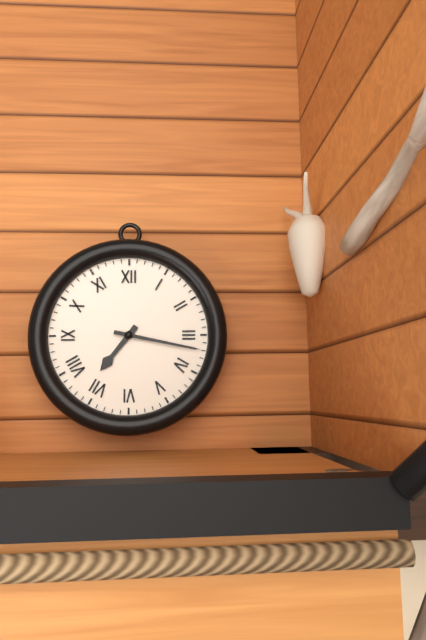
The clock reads 7 h 17 min
